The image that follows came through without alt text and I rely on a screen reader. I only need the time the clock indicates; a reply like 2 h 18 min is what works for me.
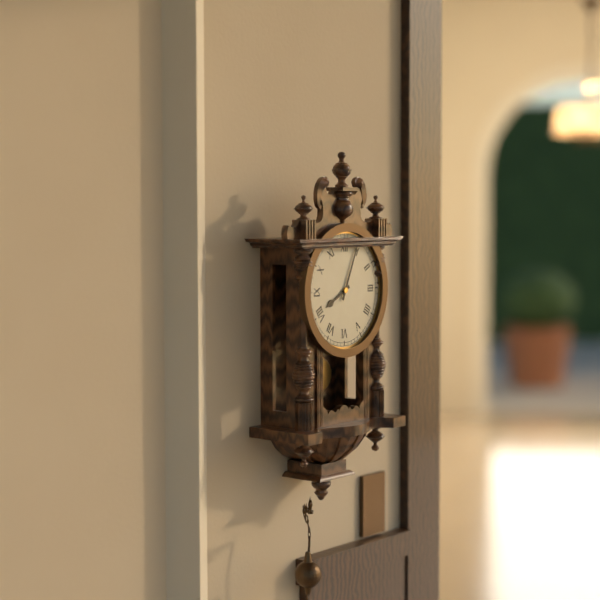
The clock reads 8 h 04 min
